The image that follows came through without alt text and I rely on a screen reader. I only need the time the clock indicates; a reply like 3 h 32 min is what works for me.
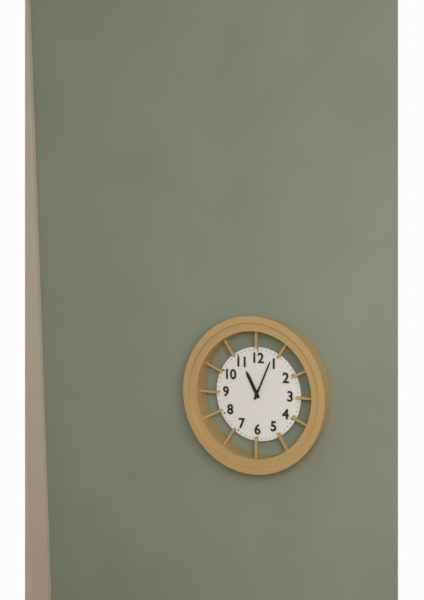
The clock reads 11 h 04 min
